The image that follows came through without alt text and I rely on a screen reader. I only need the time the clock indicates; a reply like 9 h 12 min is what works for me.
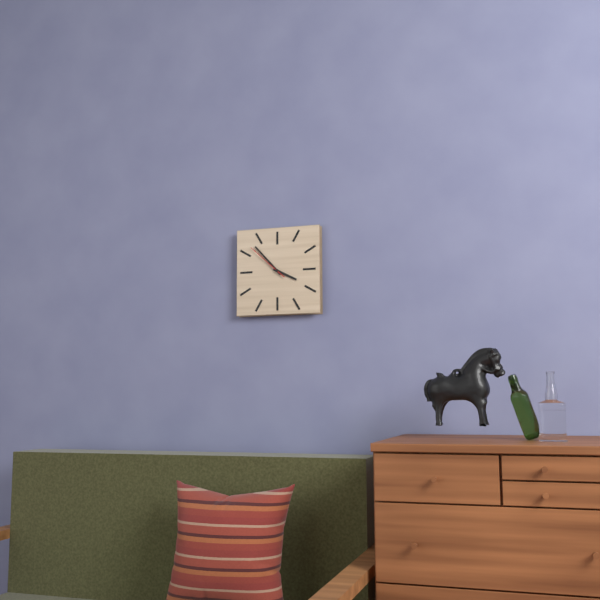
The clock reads 3 h 53 min
